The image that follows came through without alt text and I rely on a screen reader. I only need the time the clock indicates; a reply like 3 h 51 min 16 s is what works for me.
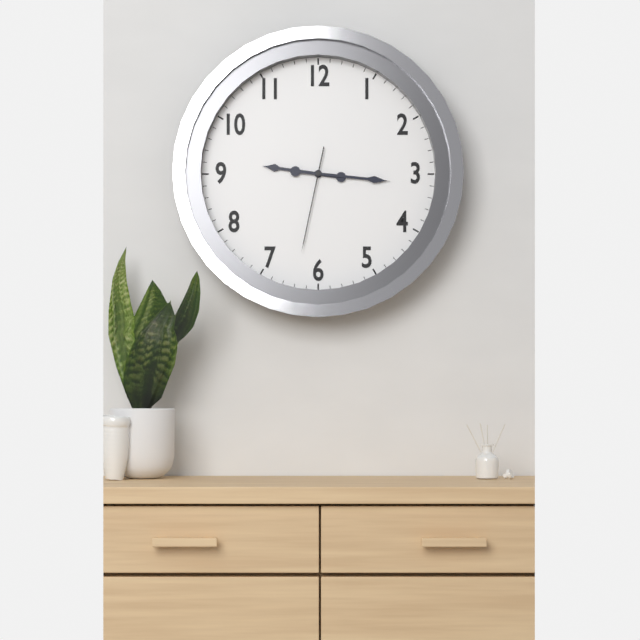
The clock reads 9 h 16 min 32 s
